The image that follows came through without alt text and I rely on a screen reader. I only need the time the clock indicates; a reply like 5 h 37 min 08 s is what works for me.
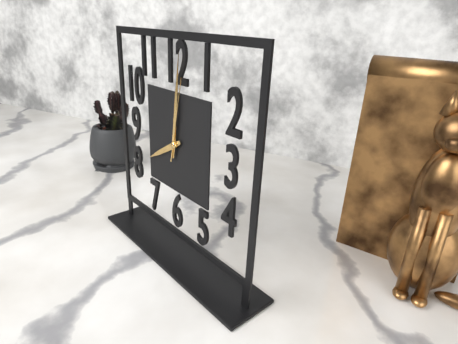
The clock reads 8 h 01 min 02 s
